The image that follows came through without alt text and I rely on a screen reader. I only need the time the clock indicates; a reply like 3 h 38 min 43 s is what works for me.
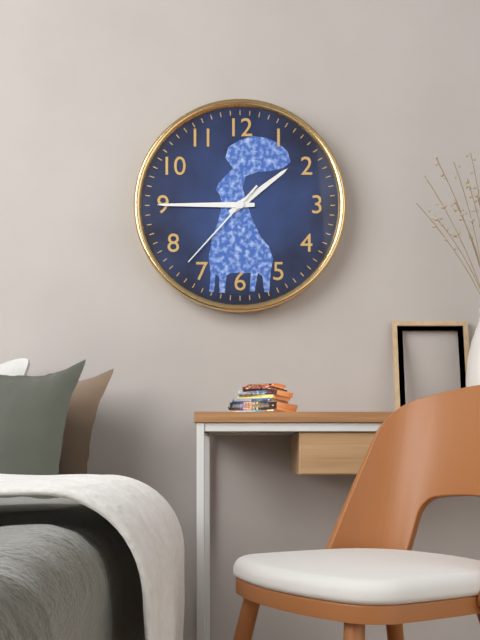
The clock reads 1 h 45 min 37 s
